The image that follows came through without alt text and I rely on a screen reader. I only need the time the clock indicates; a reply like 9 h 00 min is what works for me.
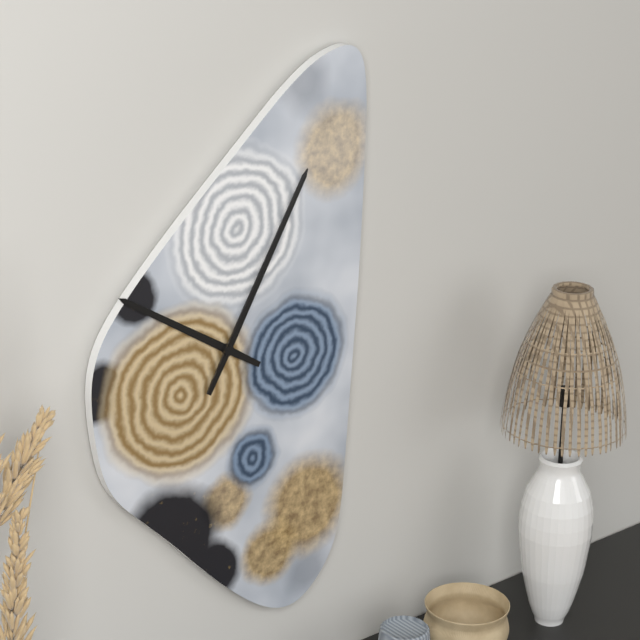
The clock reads 10 h 05 min
